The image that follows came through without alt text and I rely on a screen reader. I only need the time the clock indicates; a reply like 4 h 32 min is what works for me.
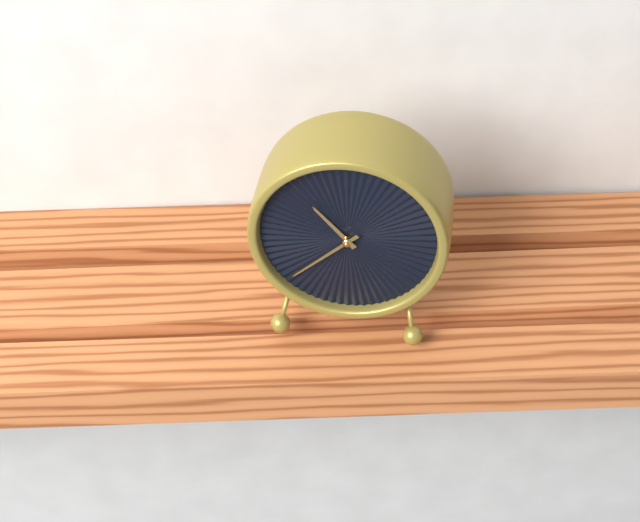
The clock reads 10 h 38 min
